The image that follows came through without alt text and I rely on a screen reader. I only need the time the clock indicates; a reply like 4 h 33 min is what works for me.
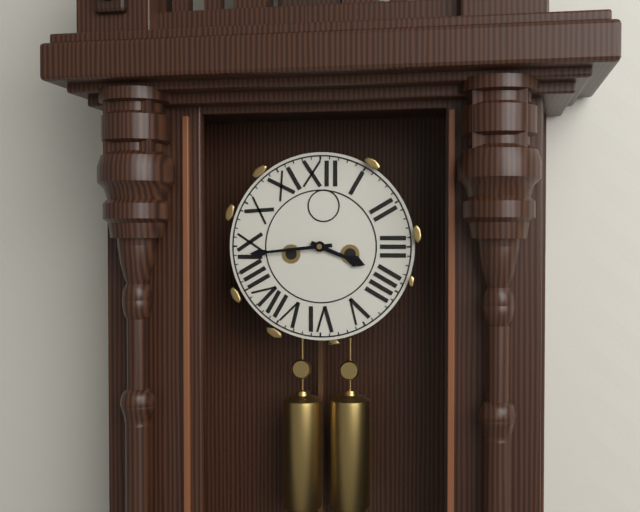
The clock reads 3 h 44 min
